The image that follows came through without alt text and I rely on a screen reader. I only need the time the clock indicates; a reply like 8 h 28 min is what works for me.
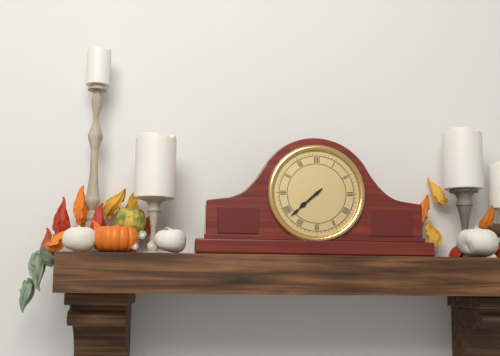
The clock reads 7 h 38 min
